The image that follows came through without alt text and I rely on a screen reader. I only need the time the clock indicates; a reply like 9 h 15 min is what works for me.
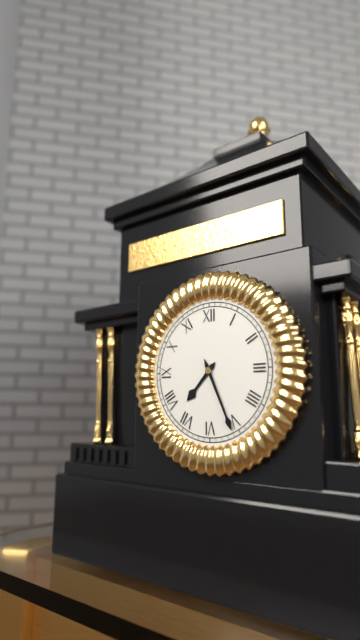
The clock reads 7 h 26 min
